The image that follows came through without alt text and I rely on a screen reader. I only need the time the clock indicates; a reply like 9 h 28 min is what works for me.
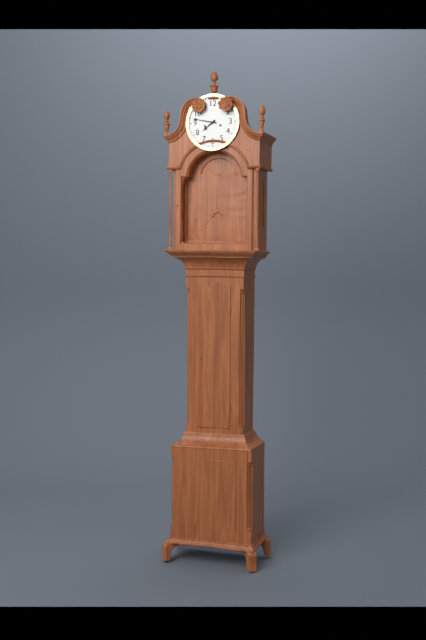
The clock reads 7 h 47 min
